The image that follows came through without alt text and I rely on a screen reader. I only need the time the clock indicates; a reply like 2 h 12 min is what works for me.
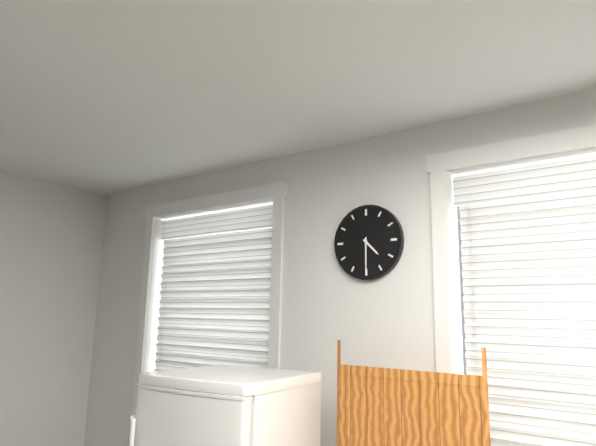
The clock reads 4 h 30 min
